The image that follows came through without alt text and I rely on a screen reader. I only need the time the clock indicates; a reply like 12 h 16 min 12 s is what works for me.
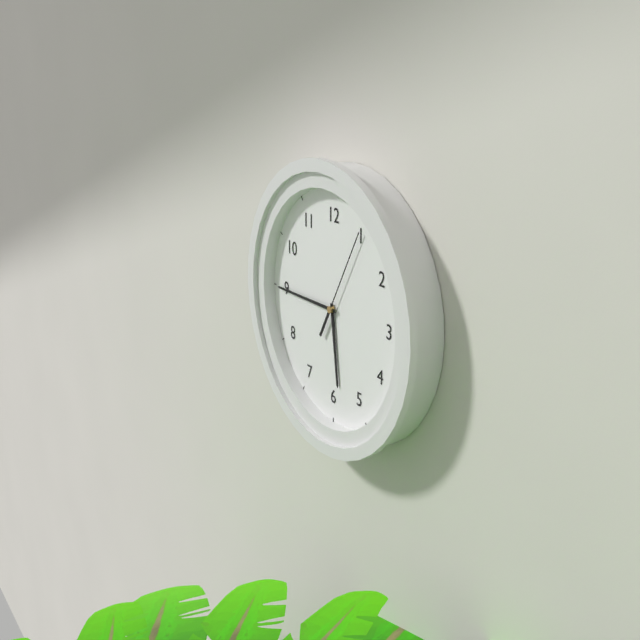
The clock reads 5 h 45 min 05 s
